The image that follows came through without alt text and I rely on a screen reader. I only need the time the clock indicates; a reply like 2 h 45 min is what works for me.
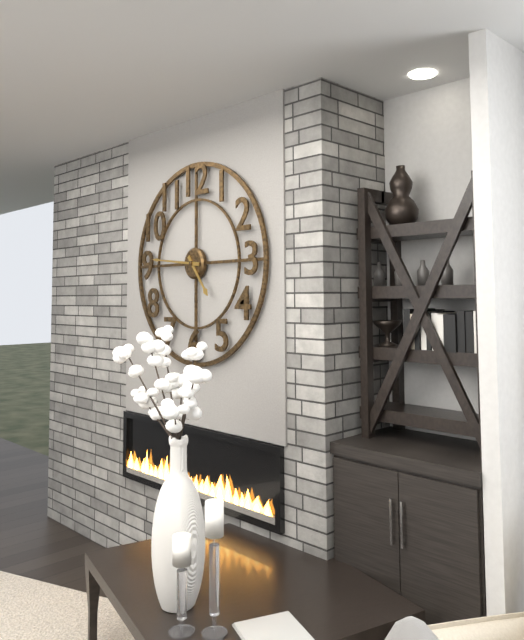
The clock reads 4 h 46 min
